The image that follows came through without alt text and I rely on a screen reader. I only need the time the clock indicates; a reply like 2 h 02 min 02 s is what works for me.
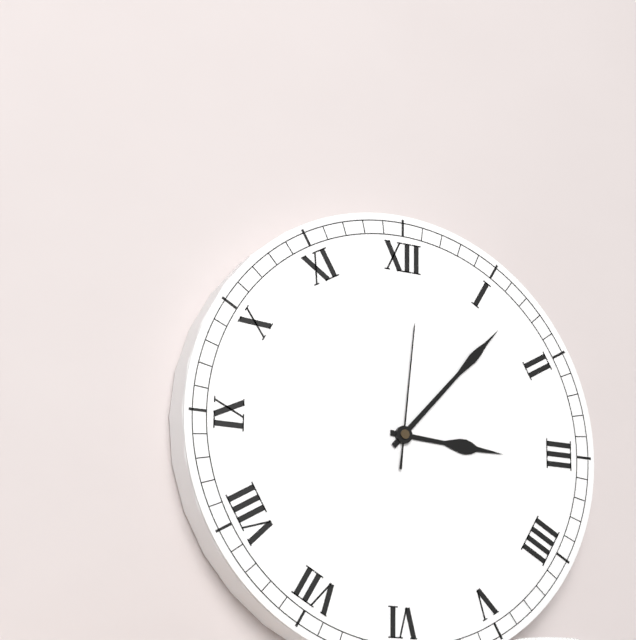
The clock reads 3 h 07 min 01 s
